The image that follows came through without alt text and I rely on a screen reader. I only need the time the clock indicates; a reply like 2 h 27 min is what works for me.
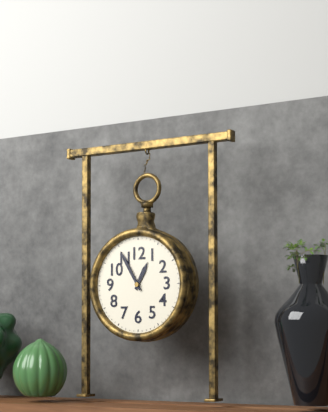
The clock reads 12 h 55 min
